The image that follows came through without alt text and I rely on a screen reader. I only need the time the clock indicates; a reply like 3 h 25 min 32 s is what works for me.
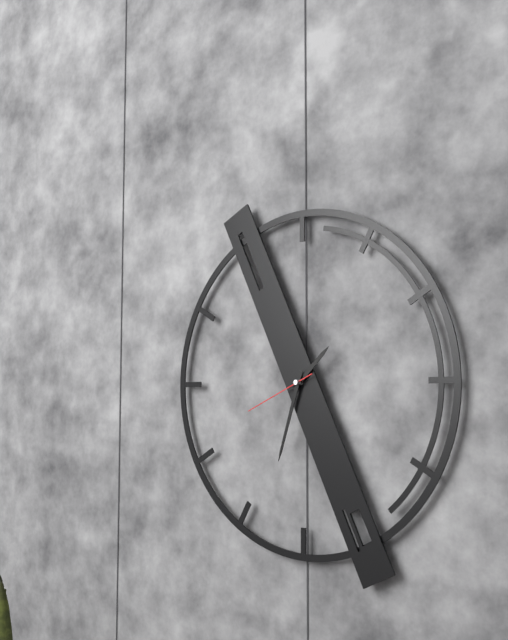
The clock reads 1 h 33 min 41 s
